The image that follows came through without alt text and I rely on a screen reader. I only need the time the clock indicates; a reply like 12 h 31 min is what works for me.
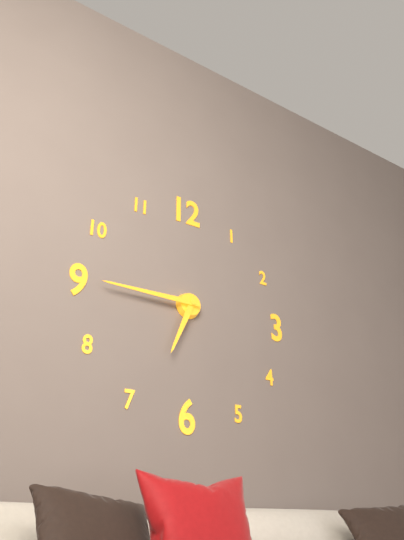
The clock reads 6 h 45 min
